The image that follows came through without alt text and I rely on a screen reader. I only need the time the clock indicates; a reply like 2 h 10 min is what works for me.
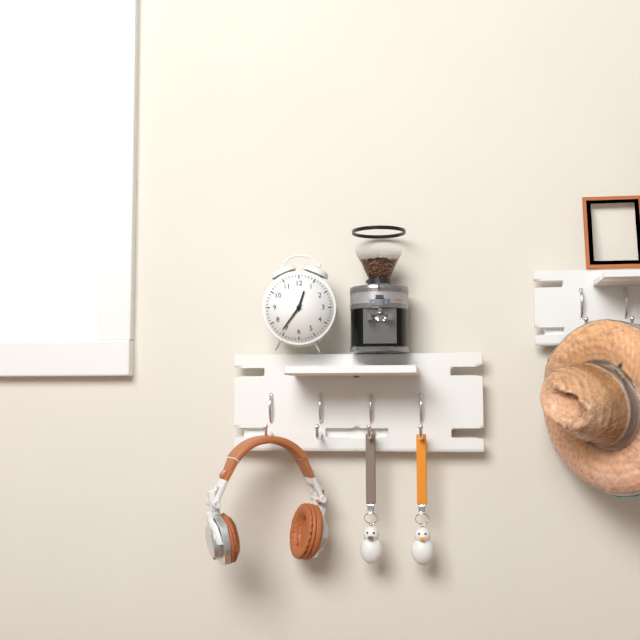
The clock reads 12 h 36 min
